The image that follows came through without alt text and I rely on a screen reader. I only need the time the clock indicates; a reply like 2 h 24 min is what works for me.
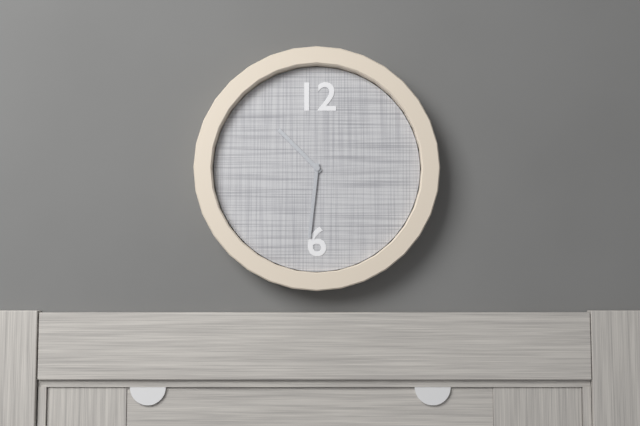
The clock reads 10 h 31 min
